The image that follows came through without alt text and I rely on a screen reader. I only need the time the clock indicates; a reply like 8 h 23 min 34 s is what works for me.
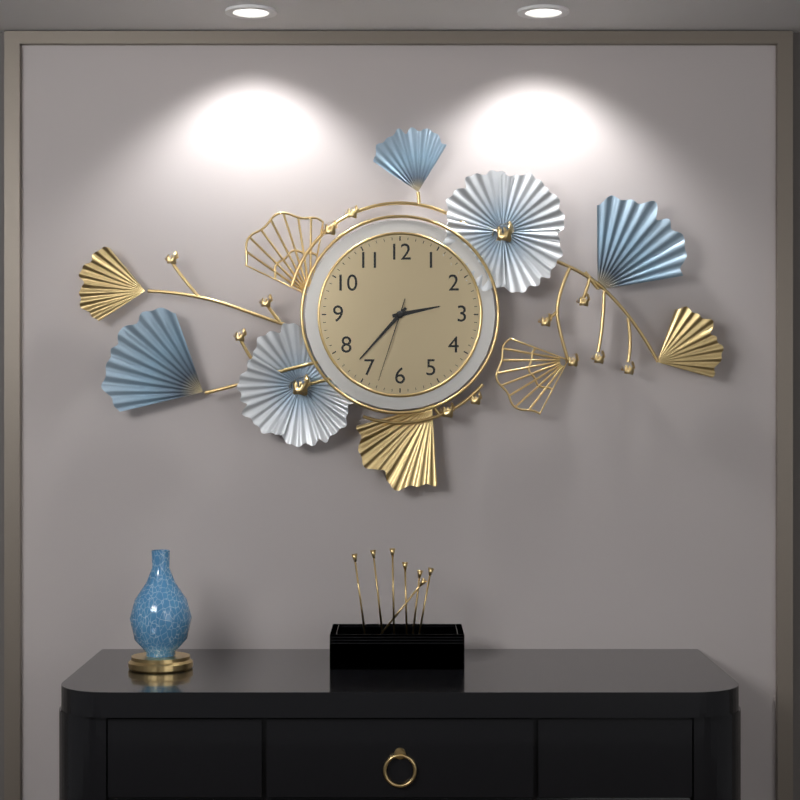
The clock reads 2 h 37 min 33 s
